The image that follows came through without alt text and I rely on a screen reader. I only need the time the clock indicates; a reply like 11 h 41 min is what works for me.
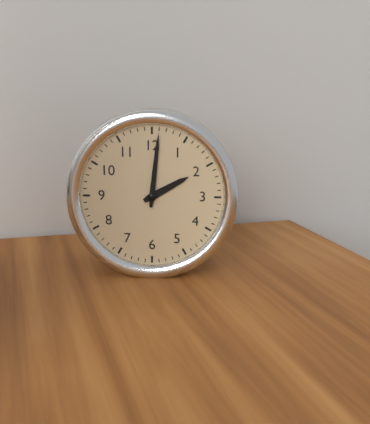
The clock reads 2 h 01 min
